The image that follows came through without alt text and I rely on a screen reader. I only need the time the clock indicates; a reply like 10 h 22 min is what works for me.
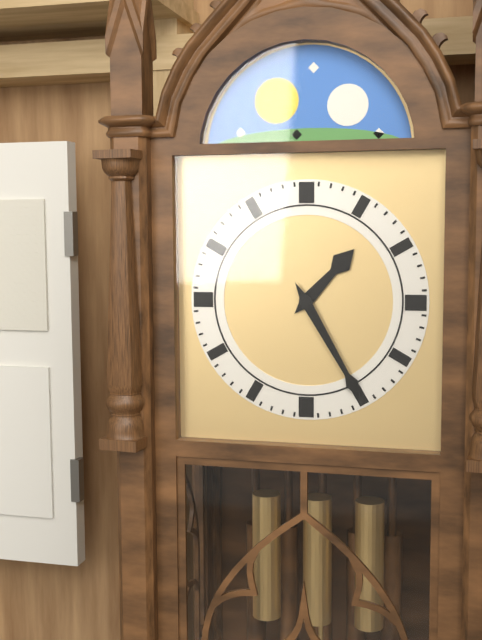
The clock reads 1 h 25 min
